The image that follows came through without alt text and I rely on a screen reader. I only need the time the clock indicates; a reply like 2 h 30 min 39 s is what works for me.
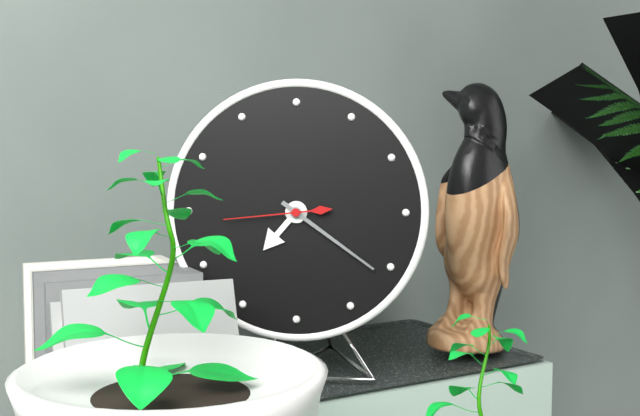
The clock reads 7 h 21 min 44 s
